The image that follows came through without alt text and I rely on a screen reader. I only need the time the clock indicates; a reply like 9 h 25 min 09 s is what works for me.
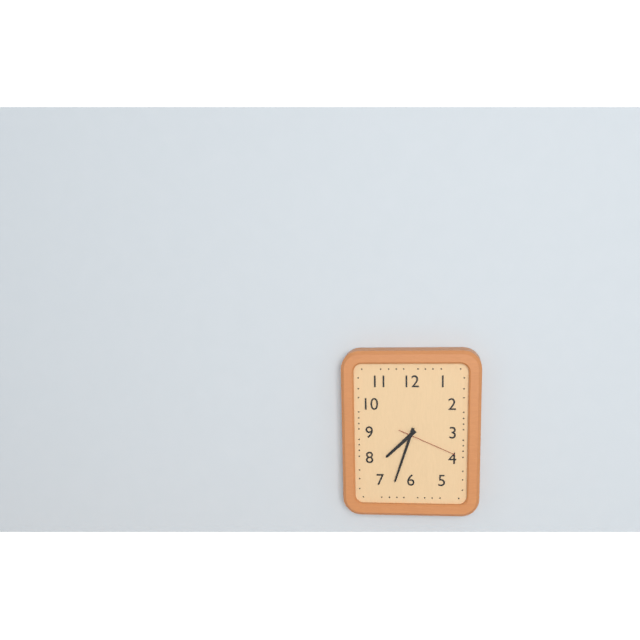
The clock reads 7 h 33 min 19 s
